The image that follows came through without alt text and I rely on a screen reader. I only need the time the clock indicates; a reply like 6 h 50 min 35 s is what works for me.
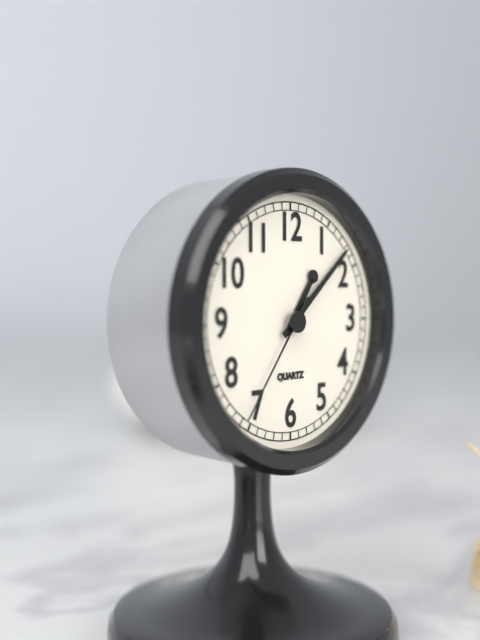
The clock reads 1 h 08 min 36 s
